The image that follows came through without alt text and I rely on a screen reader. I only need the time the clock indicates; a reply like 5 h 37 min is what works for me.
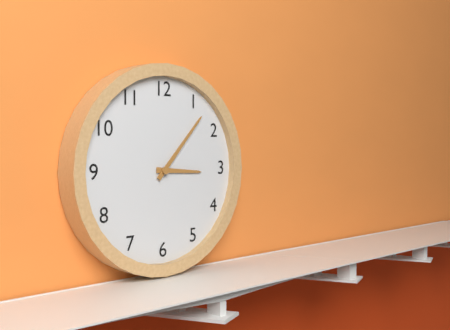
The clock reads 3 h 07 min
